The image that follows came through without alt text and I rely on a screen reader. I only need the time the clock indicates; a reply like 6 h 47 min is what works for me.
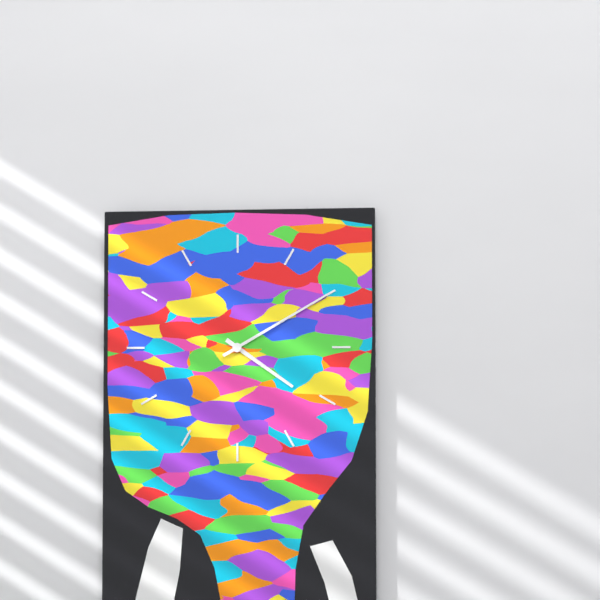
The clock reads 4 h 10 min
